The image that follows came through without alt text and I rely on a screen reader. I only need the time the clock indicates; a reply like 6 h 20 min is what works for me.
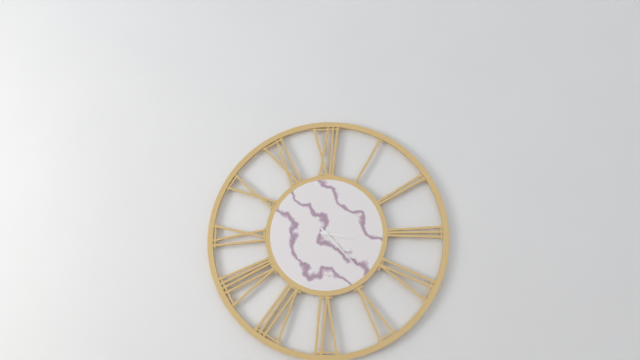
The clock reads 3 h 23 min
